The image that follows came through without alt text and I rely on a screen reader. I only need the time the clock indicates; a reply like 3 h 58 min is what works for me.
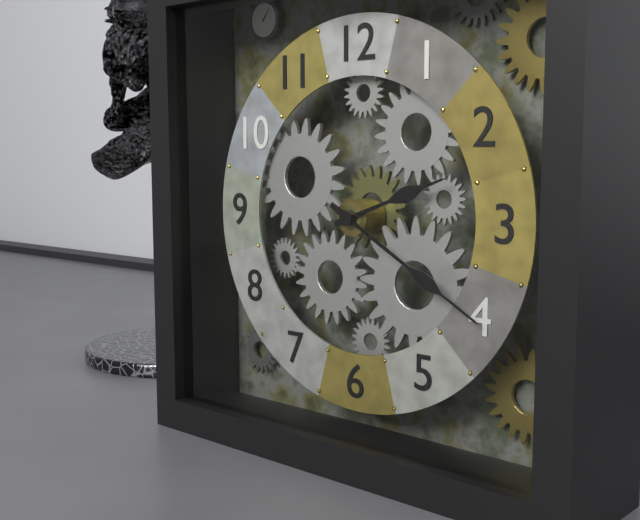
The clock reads 2 h 20 min
